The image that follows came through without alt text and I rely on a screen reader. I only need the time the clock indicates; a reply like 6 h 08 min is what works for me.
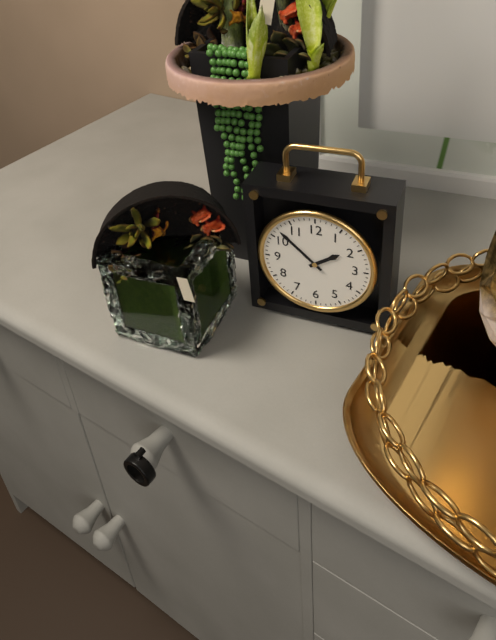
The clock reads 1 h 52 min
